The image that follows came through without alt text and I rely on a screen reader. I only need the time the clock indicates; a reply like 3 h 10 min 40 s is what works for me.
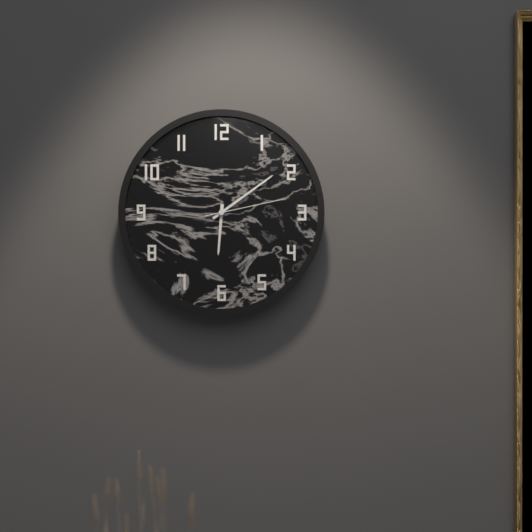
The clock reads 6 h 09 min 13 s
